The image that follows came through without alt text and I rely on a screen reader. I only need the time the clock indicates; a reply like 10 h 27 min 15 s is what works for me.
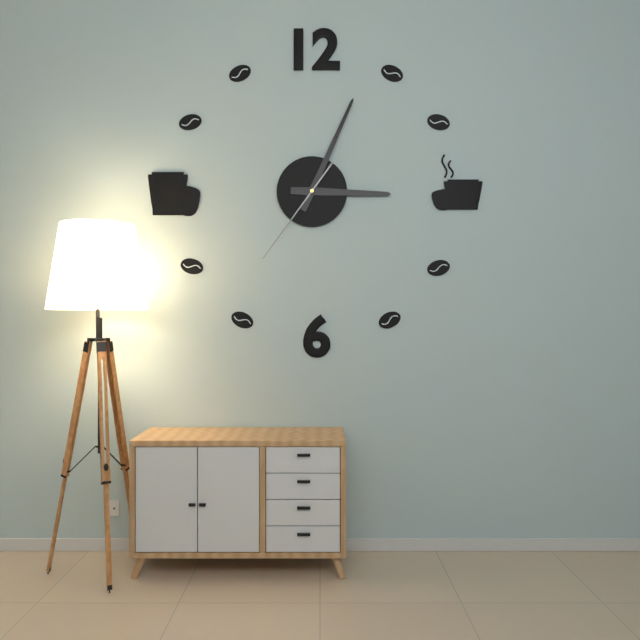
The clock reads 3 h 04 min 36 s
